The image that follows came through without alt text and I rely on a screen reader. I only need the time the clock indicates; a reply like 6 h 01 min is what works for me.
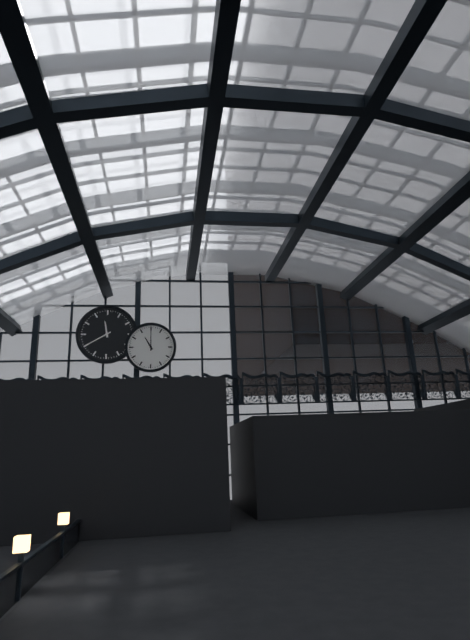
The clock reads 11 h 00 min
